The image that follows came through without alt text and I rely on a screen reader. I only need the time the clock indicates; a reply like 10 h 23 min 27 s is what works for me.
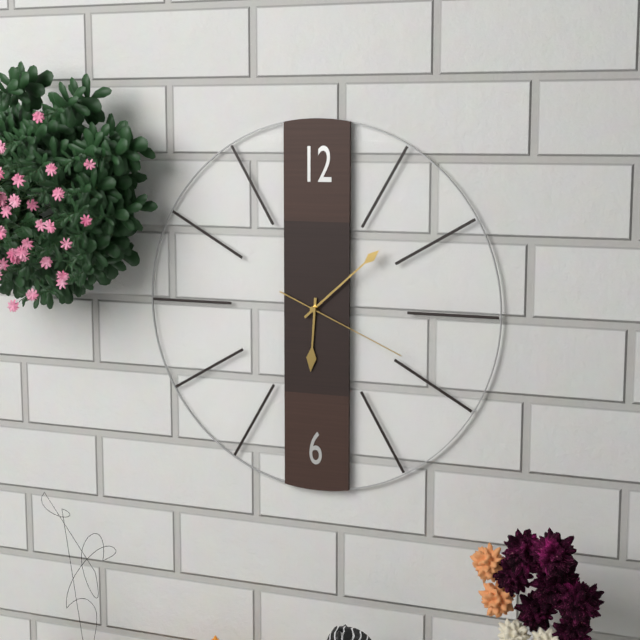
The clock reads 6 h 08 min 19 s
